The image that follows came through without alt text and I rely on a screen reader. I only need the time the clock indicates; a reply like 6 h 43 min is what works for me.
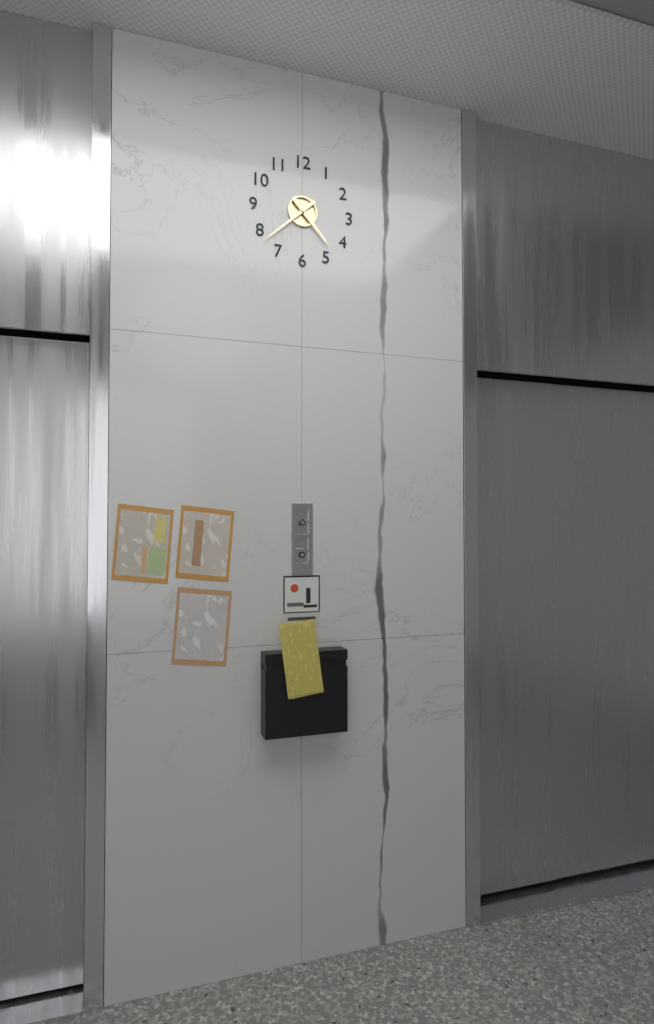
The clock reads 4 h 38 min
